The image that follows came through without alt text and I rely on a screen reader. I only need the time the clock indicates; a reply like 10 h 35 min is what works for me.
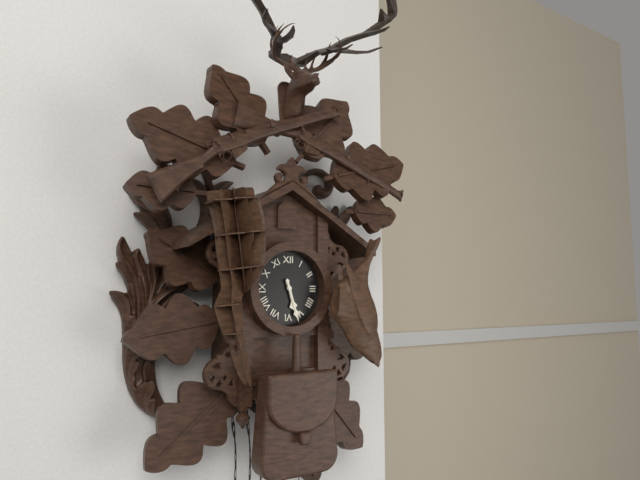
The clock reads 5 h 27 min
